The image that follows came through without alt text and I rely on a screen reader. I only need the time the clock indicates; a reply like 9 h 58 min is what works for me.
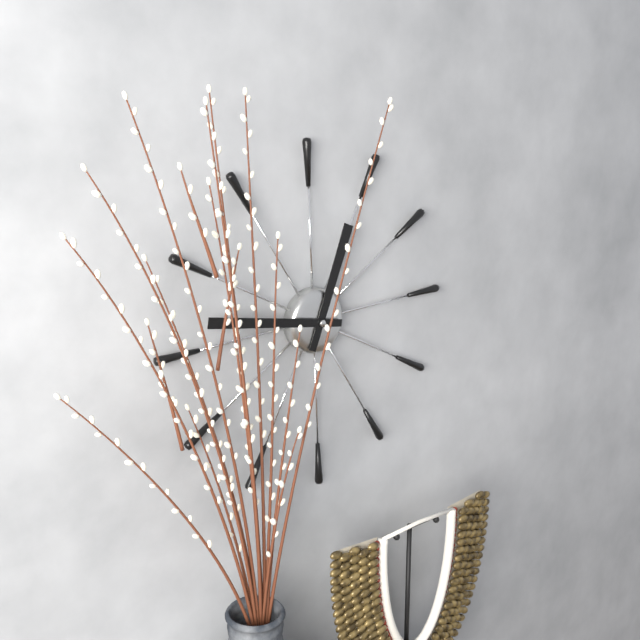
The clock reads 12 h 47 min
